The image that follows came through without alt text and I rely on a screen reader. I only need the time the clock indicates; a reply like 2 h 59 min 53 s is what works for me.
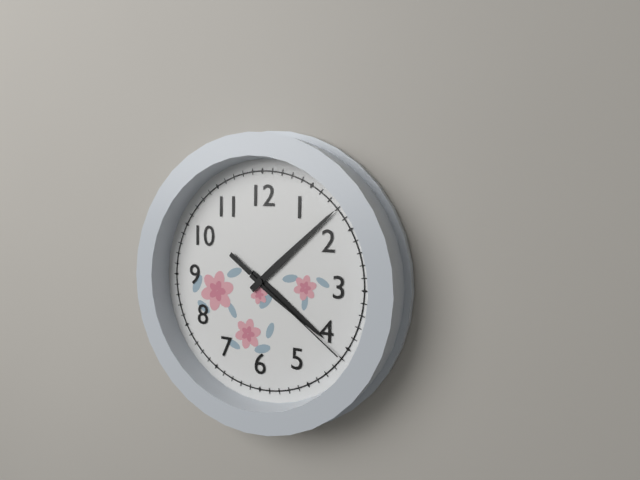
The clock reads 4 h 08 min 21 s
